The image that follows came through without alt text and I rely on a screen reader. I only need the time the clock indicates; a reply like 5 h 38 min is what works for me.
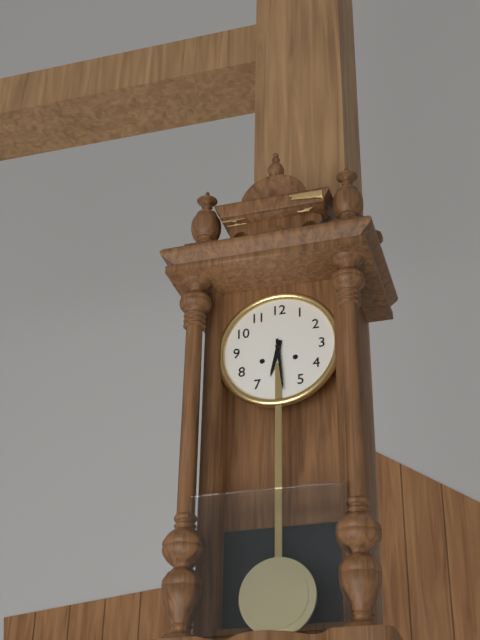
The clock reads 6 h 29 min
